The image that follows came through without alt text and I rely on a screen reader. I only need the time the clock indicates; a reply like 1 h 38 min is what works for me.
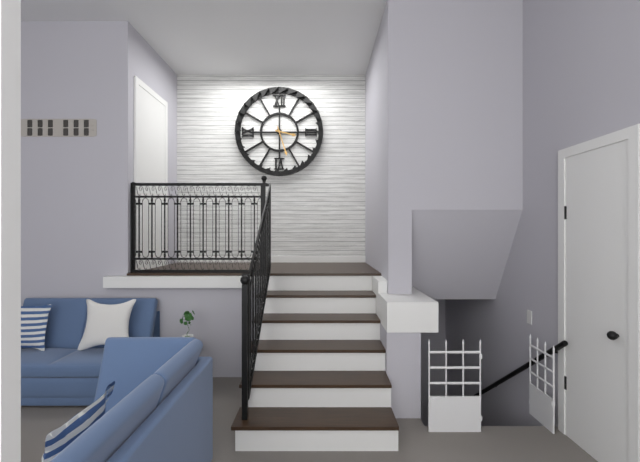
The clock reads 3 h 27 min
